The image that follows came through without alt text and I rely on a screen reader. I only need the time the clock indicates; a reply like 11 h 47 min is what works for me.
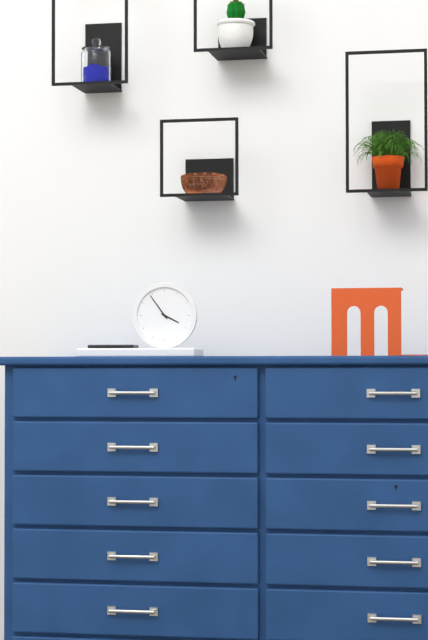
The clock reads 3 h 54 min
